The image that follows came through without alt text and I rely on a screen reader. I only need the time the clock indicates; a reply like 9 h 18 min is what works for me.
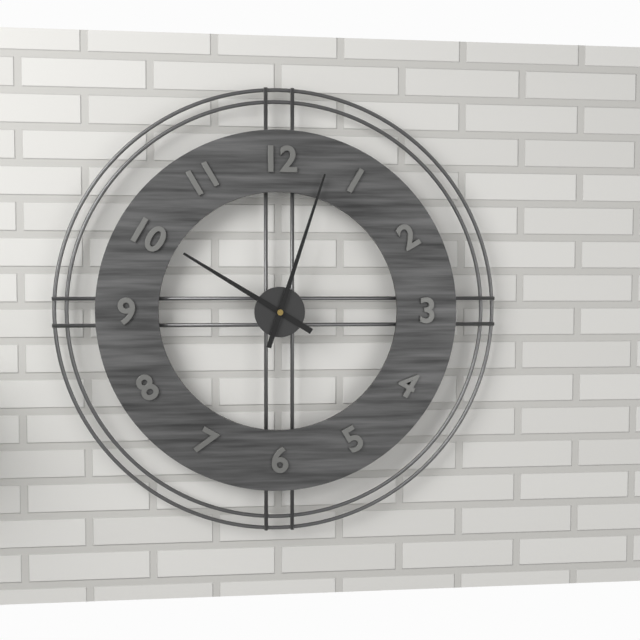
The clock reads 10 h 03 min
